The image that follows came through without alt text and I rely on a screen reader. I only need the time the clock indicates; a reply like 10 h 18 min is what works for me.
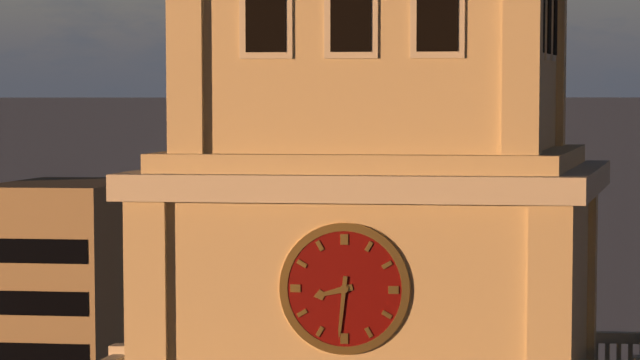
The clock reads 8 h 31 min
